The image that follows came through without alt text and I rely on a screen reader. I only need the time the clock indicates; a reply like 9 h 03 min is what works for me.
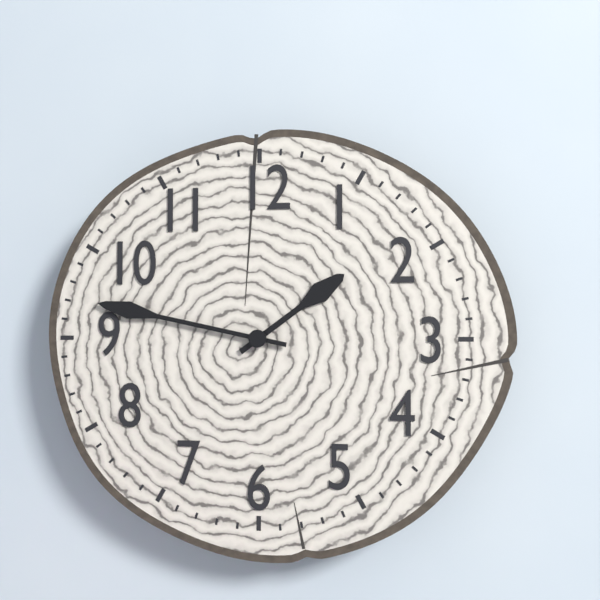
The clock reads 1 h 47 min
